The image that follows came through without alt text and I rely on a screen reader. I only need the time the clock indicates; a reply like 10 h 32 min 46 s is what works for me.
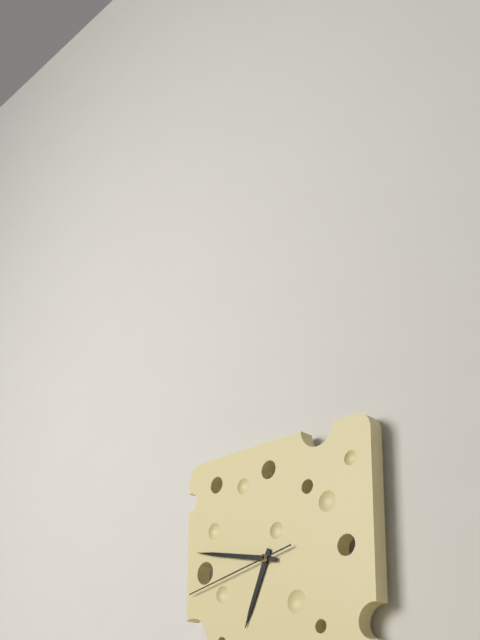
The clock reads 6 h 47 min 43 s
